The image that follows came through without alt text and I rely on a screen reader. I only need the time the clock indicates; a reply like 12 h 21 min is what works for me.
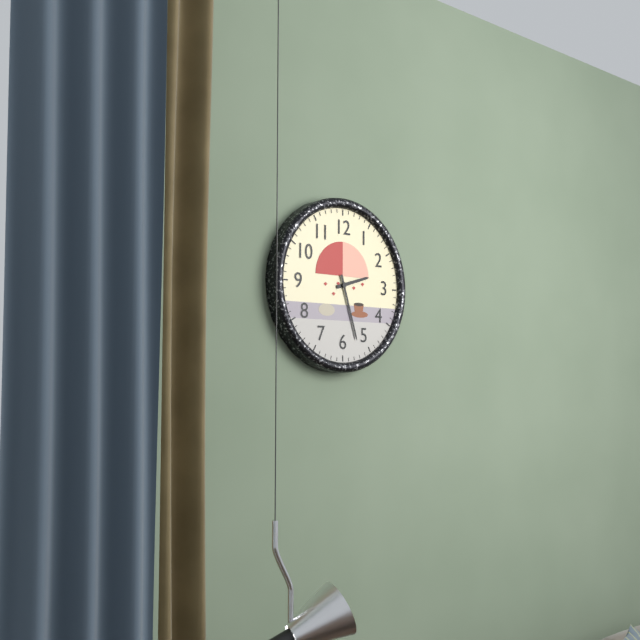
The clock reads 2 h 27 min
